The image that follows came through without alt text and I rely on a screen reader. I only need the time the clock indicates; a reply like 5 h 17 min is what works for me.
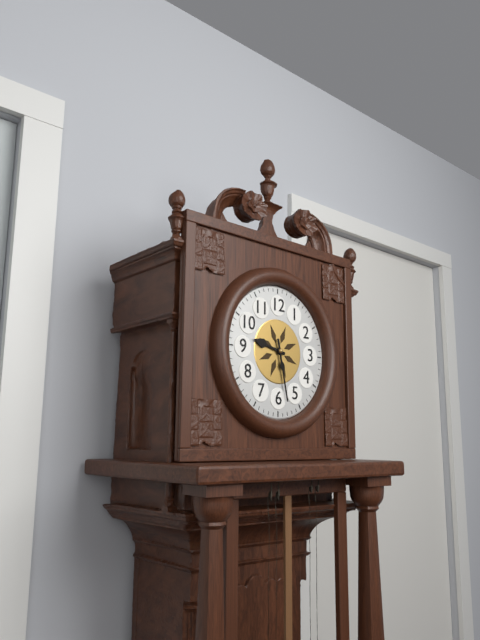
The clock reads 9 h 28 min
